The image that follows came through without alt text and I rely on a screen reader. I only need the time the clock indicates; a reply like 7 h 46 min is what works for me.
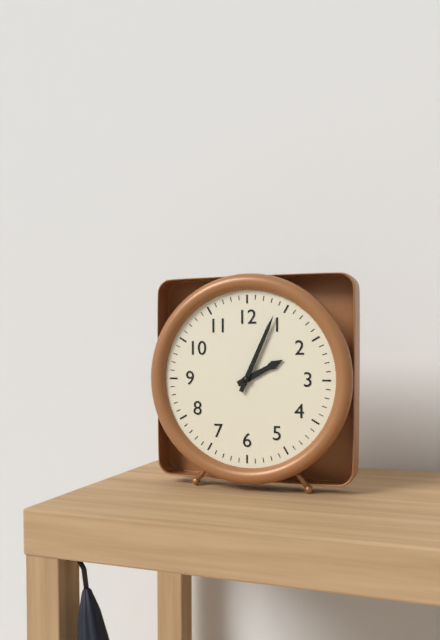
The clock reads 2 h 04 min
